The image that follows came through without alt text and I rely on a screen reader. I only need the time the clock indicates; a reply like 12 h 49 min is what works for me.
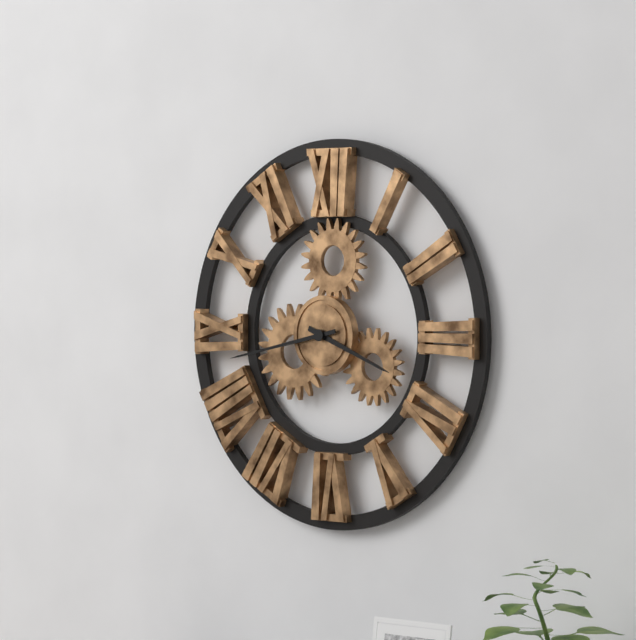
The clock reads 3 h 43 min
